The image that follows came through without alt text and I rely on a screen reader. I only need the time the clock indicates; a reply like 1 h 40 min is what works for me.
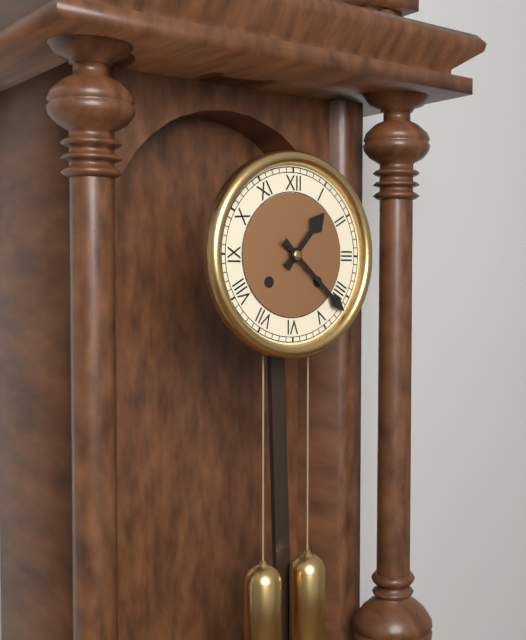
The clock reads 1 h 22 min
